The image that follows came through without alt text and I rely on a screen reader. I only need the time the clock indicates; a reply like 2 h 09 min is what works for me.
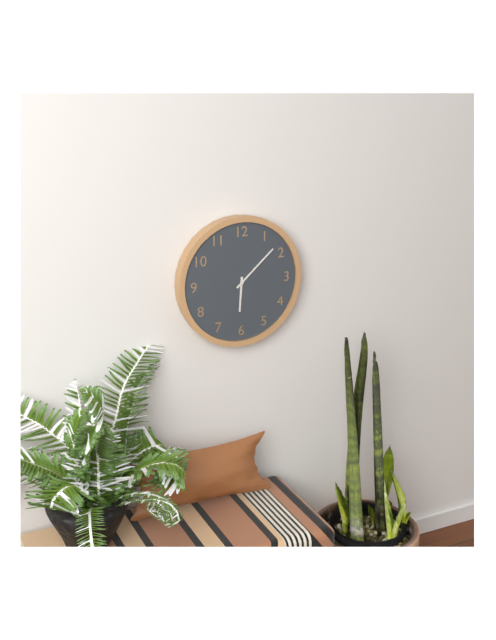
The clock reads 6 h 08 min
